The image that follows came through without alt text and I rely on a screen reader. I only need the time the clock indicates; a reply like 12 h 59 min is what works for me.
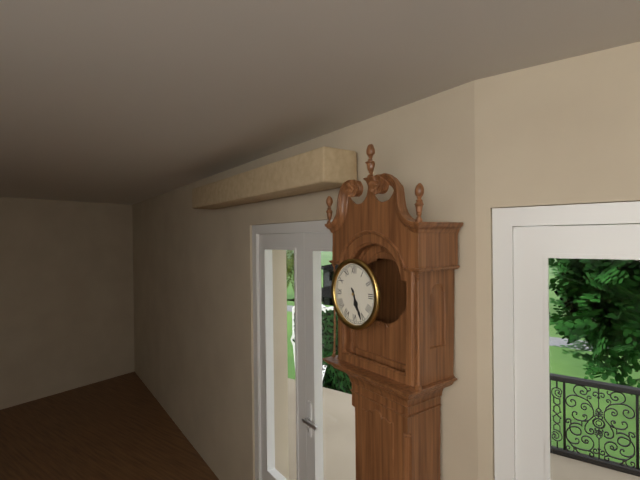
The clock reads 5 h 26 min
